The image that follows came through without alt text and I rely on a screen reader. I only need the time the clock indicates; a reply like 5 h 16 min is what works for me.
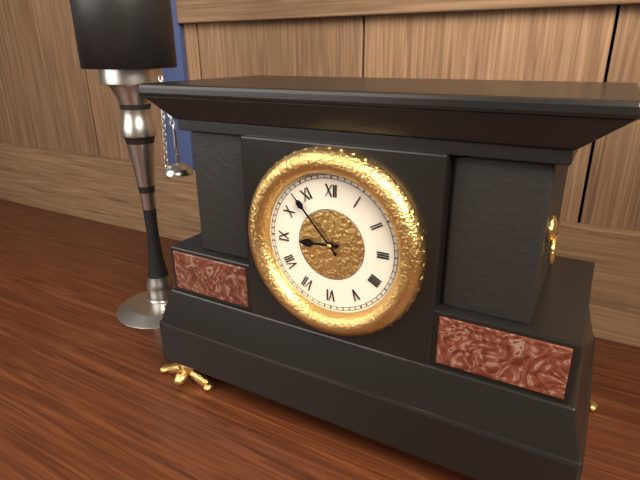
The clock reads 8 h 53 min
